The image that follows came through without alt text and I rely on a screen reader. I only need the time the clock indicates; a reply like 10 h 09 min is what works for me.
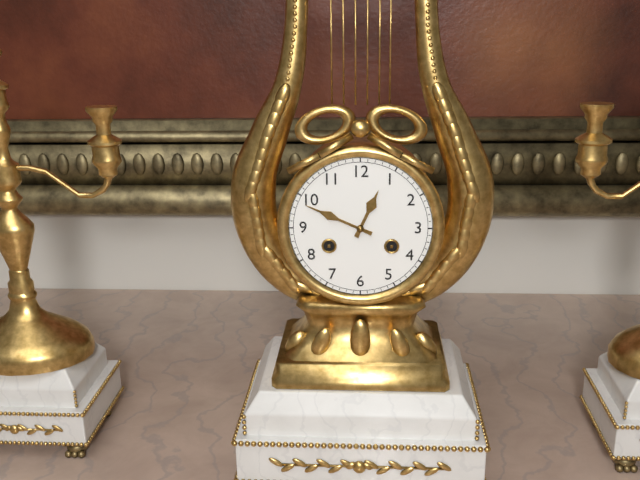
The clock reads 12 h 49 min
